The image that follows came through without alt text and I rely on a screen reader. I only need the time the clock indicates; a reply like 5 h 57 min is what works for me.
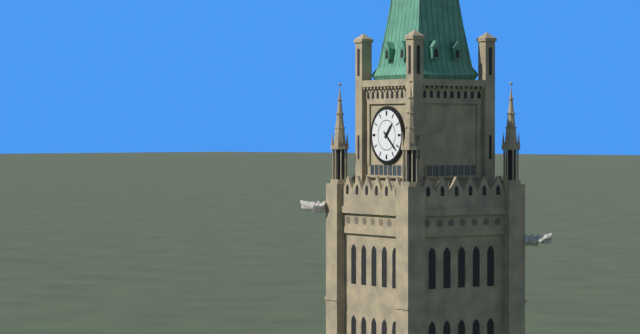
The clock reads 1 h 22 min
